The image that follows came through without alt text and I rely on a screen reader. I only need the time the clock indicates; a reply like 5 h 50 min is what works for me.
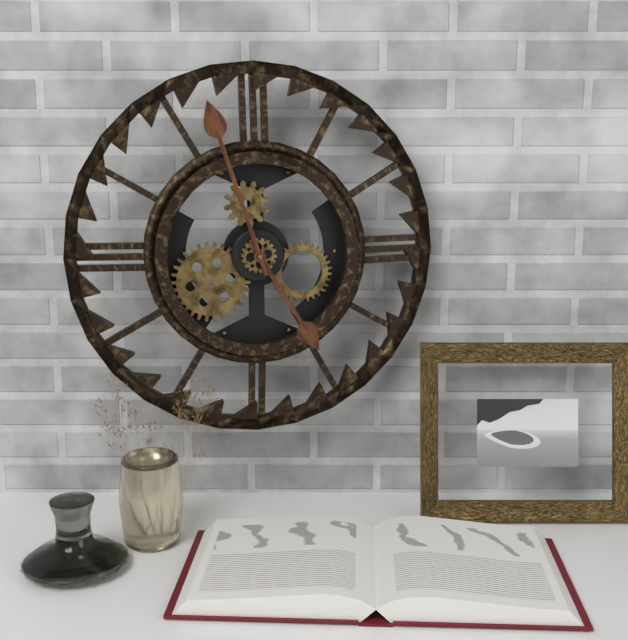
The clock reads 4 h 57 min
